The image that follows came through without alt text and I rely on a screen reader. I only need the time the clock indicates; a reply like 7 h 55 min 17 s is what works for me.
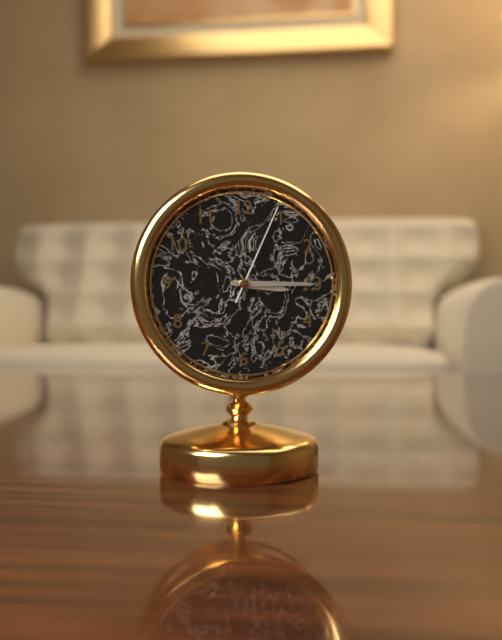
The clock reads 3 h 15 min 04 s
